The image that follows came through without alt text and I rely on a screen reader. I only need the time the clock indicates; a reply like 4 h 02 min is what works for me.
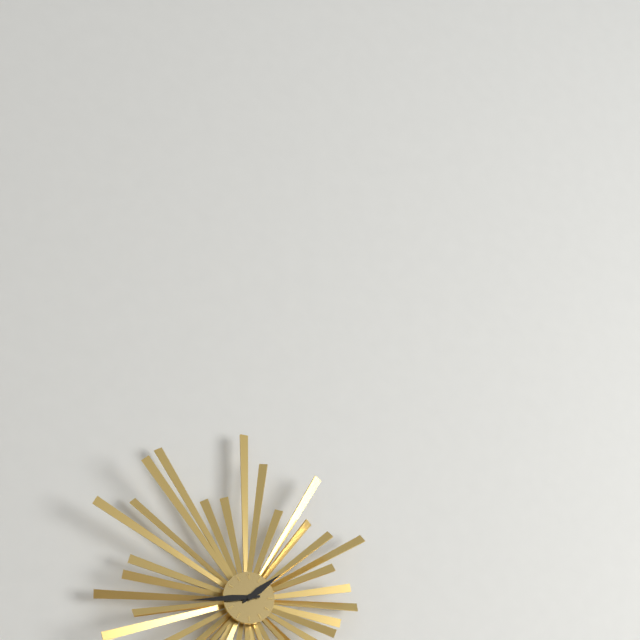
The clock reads 1 h 44 min
